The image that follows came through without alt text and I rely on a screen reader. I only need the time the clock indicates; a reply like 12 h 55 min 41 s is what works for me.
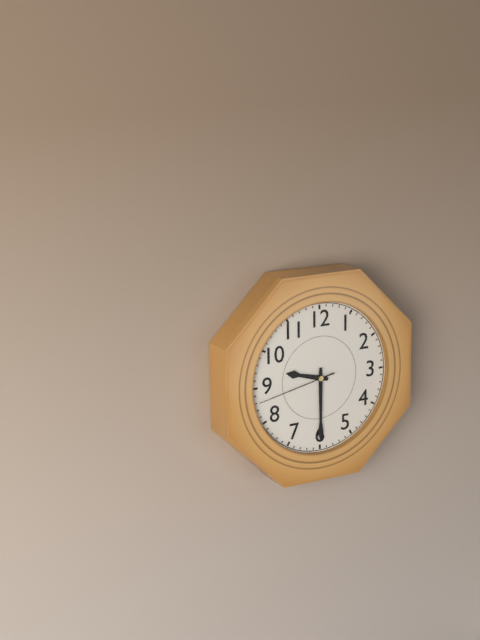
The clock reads 9 h 30 min 43 s
